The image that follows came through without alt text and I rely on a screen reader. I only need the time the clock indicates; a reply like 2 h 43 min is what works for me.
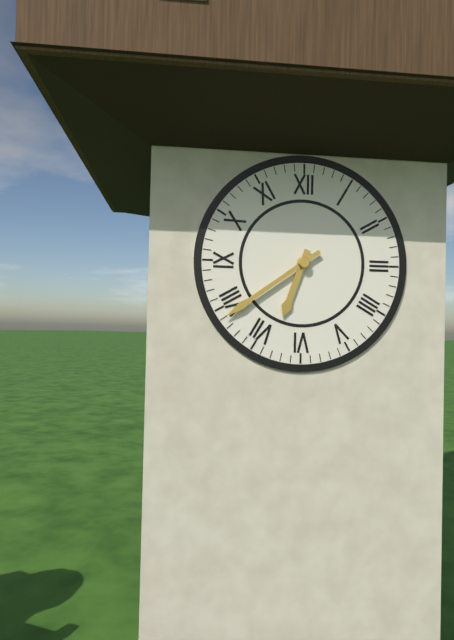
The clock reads 6 h 39 min
